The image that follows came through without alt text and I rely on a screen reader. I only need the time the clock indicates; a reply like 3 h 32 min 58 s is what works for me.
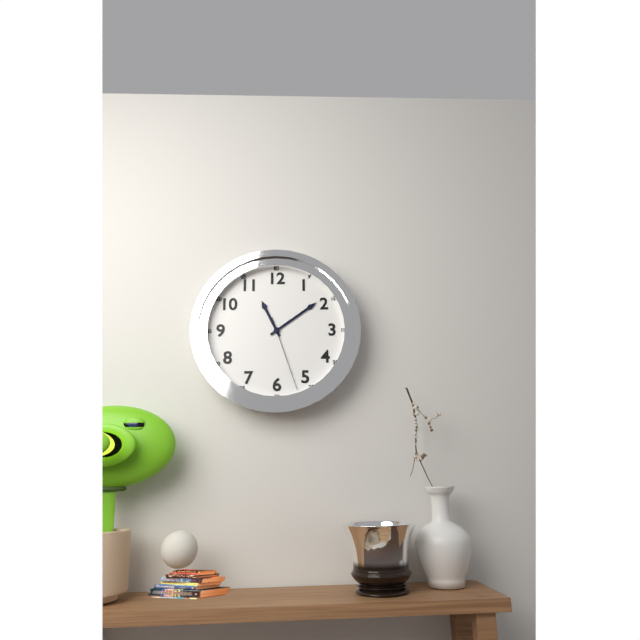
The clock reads 11 h 09 min 27 s
